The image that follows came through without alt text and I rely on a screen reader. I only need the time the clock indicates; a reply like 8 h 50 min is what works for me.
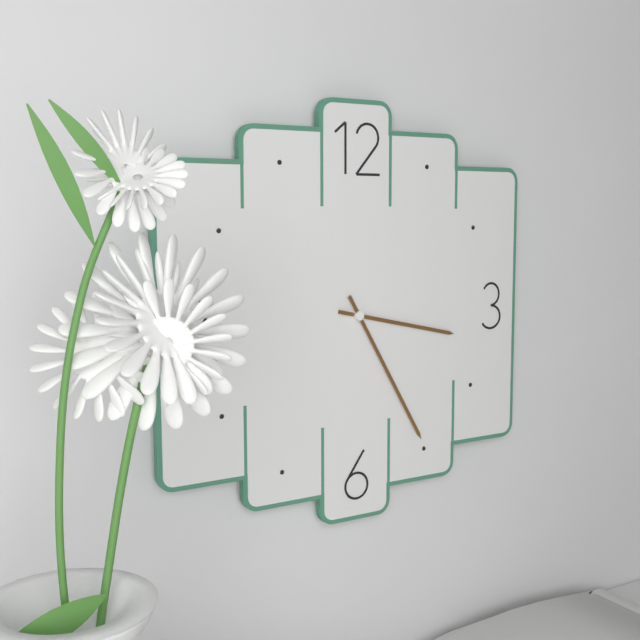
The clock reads 3 h 25 min
